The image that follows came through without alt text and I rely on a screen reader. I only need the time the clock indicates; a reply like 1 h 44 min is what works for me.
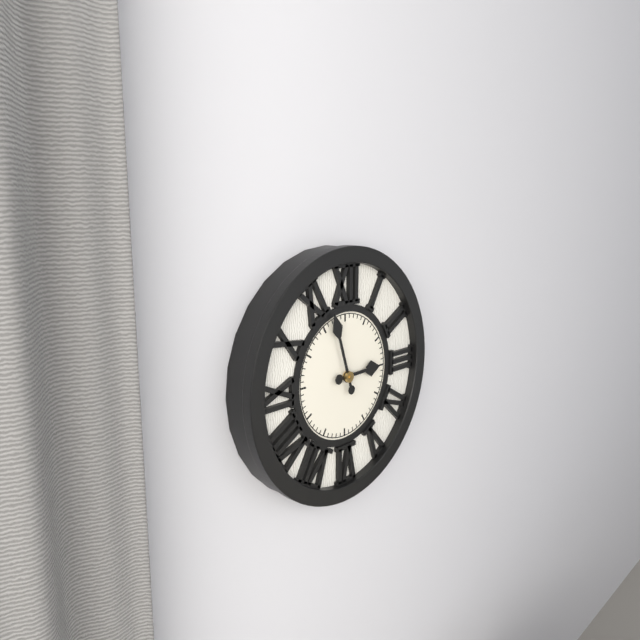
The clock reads 2 h 57 min
